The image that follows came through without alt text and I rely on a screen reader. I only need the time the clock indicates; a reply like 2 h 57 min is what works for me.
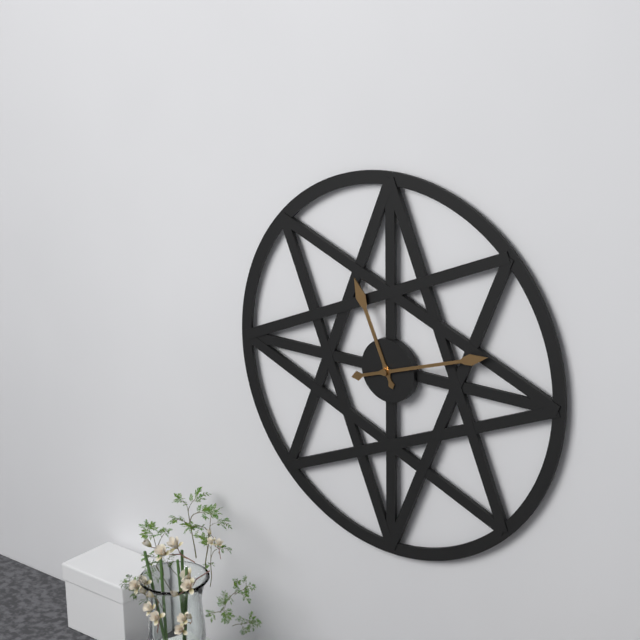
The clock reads 11 h 12 min
